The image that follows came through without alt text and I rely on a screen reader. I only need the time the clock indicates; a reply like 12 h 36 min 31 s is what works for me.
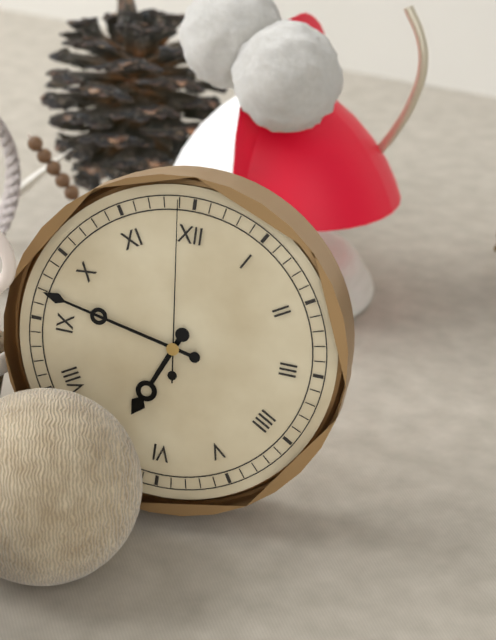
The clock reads 6 h 47 min 59 s
